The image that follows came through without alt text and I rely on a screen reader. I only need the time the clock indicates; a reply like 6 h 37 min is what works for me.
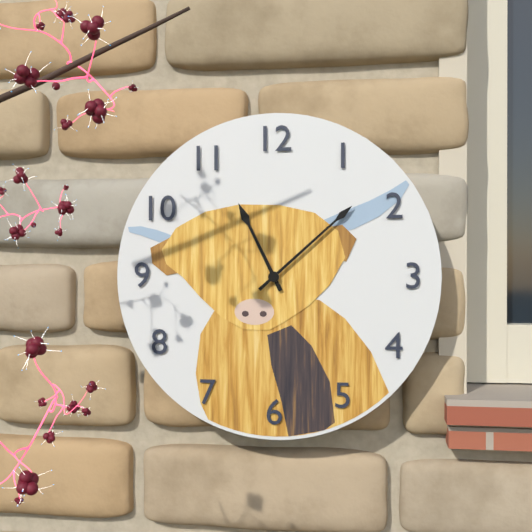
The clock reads 11 h 08 min
